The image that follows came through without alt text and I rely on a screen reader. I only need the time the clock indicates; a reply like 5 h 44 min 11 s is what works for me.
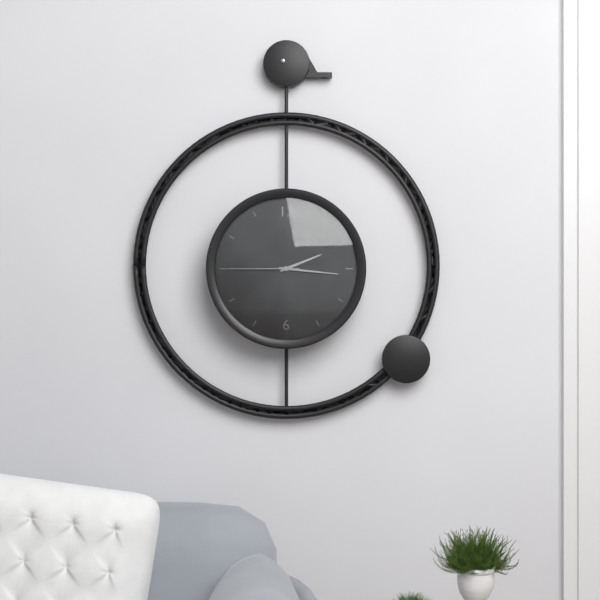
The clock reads 2 h 16 min 45 s
